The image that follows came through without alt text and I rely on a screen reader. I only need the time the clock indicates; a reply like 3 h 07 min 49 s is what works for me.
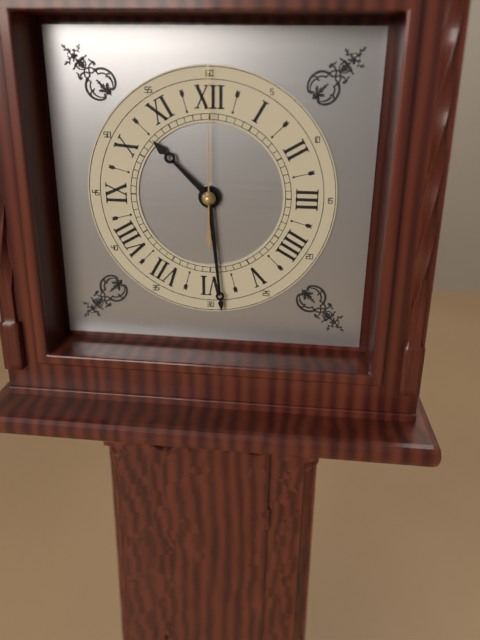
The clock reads 10 h 29 min 00 s
